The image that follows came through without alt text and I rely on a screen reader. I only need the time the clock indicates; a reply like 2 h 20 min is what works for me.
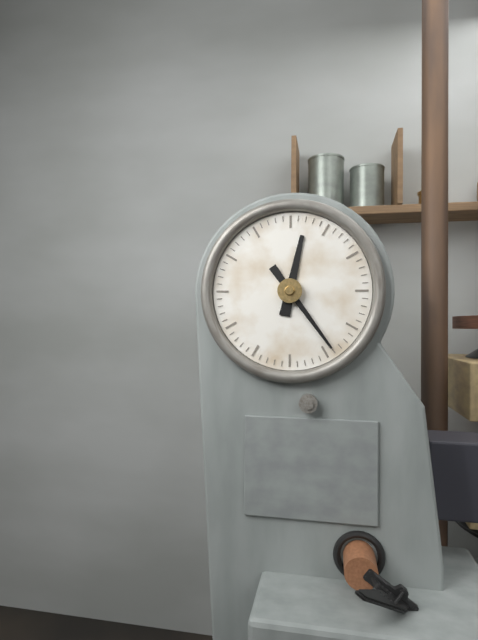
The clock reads 12 h 24 min
